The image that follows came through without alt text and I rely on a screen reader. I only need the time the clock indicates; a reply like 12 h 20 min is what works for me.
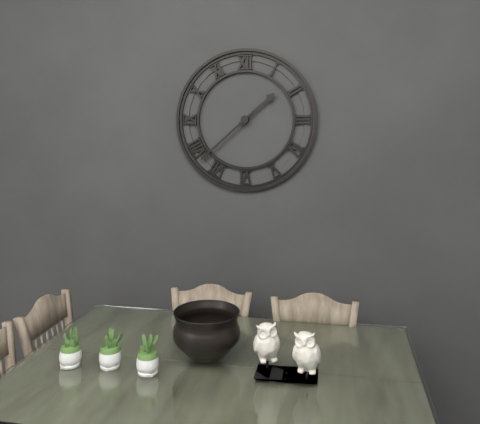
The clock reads 1 h 38 min
